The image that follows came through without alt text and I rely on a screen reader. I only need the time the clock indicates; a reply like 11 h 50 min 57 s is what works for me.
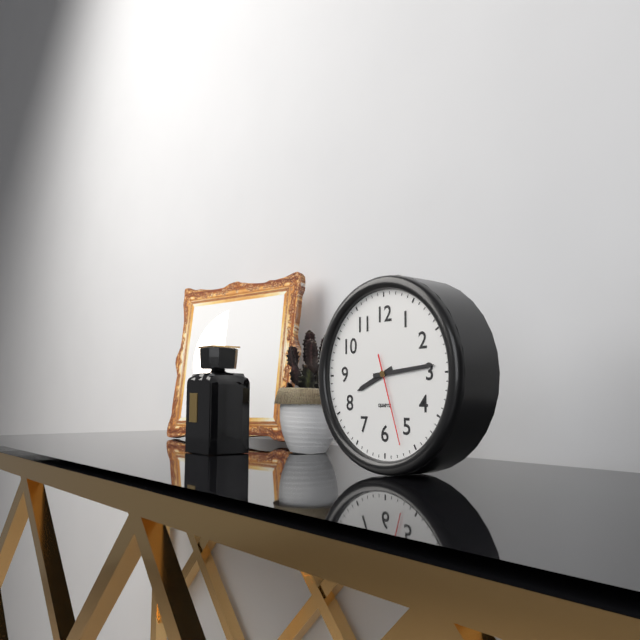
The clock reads 8 h 14 min 27 s
